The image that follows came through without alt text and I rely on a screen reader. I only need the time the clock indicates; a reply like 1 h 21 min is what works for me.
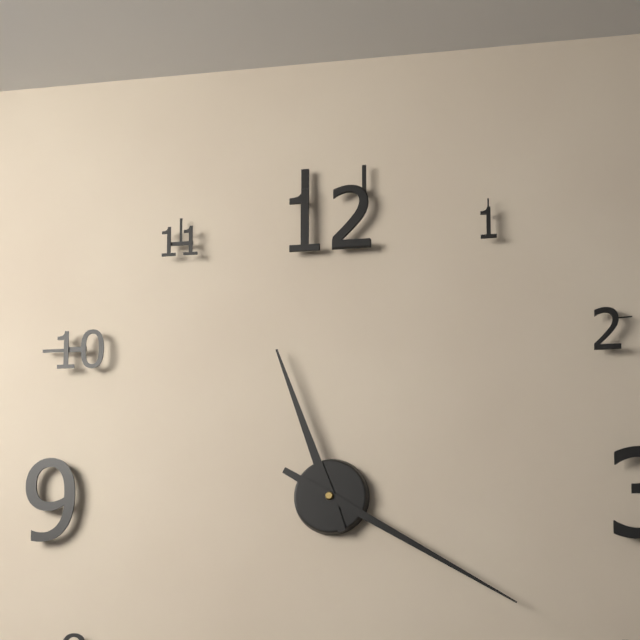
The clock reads 11 h 20 min
